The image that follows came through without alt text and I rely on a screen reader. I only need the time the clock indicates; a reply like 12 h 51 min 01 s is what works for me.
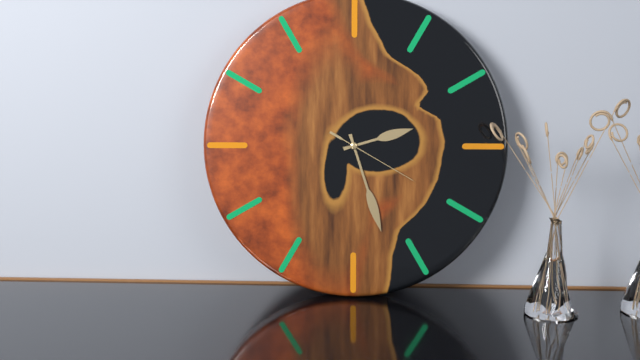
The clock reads 2 h 27 min 20 s
